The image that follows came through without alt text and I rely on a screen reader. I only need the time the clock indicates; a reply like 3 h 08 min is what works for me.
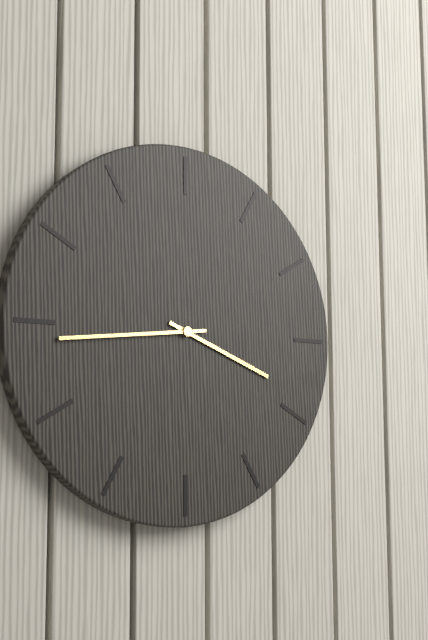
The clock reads 3 h 44 min
